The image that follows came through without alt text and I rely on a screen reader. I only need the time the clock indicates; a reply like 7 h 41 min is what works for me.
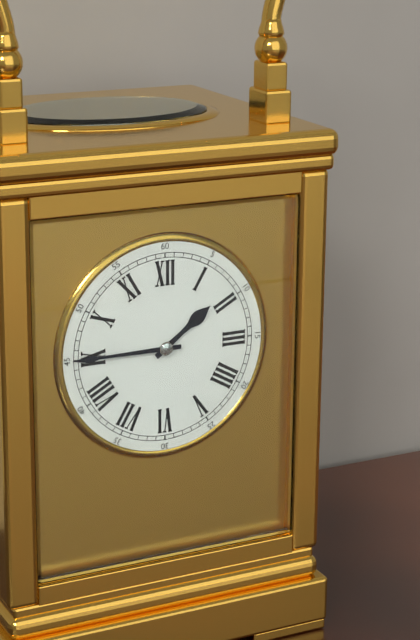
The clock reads 1 h 45 min
